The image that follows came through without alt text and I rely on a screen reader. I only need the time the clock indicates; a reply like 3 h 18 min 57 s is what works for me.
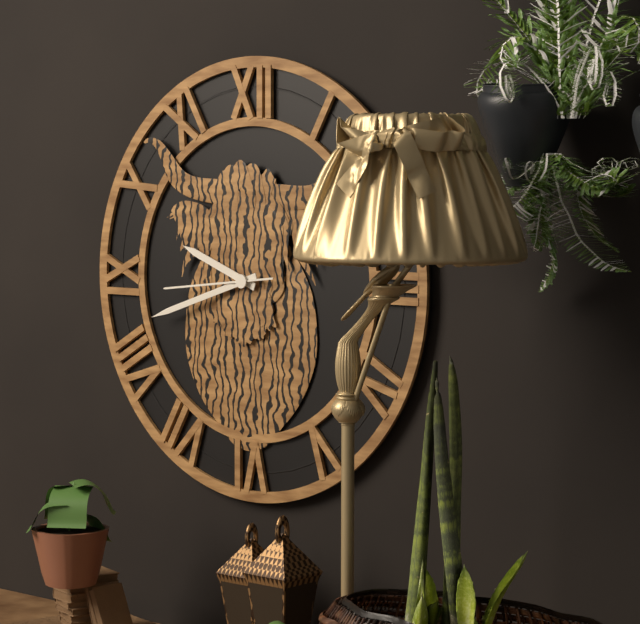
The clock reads 9 h 42 min 44 s
